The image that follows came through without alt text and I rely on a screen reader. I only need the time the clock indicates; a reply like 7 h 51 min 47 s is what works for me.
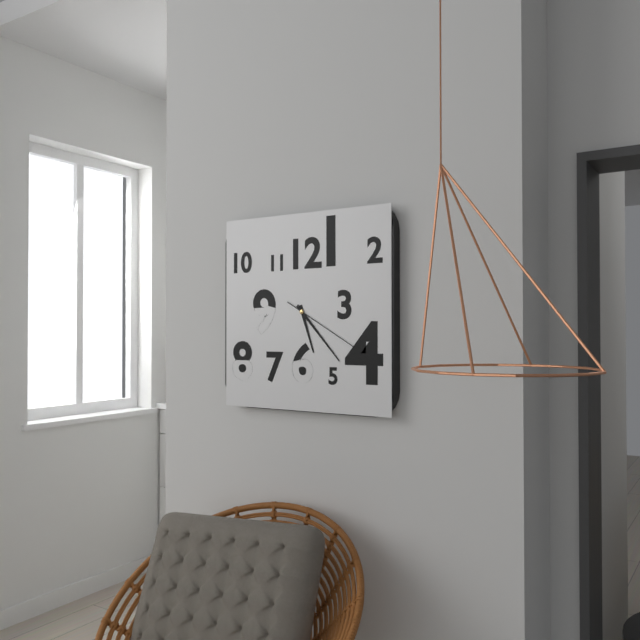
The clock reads 5 h 23 min 20 s
